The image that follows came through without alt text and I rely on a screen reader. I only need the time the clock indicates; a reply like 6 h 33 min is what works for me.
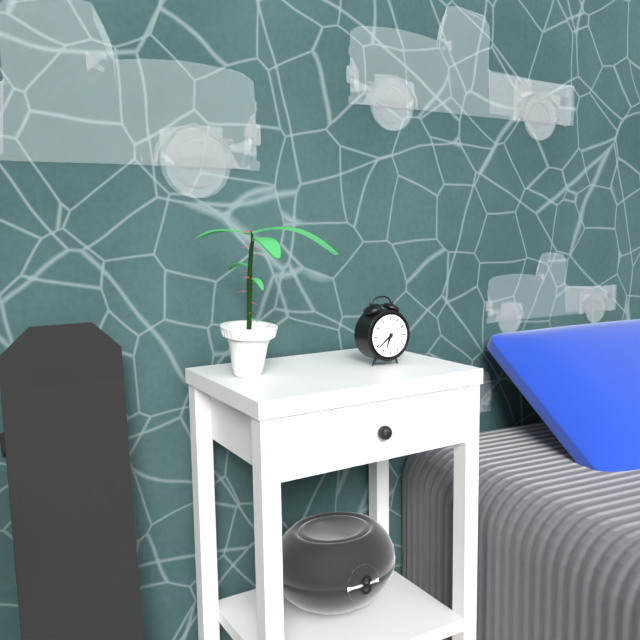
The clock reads 6 h 39 min
